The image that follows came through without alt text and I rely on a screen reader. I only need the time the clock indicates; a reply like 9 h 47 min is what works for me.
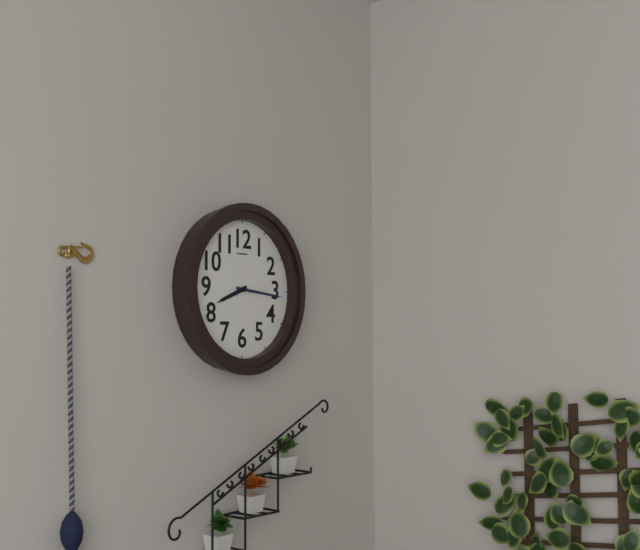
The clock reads 8 h 16 min
